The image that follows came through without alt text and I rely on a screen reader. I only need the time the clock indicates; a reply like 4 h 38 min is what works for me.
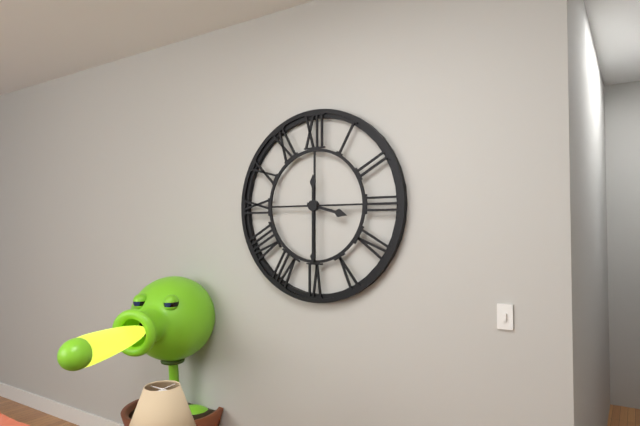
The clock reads 3 h 30 min
